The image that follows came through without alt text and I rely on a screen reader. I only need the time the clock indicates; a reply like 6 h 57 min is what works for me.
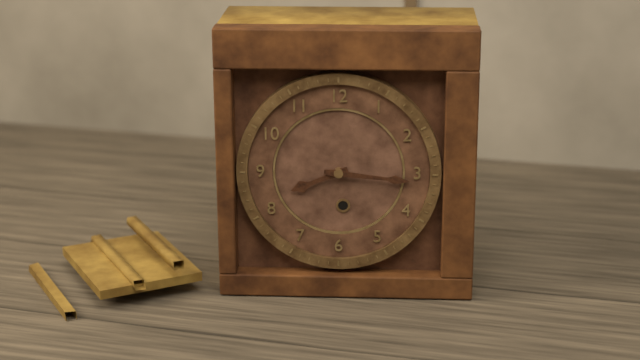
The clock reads 8 h 16 min
